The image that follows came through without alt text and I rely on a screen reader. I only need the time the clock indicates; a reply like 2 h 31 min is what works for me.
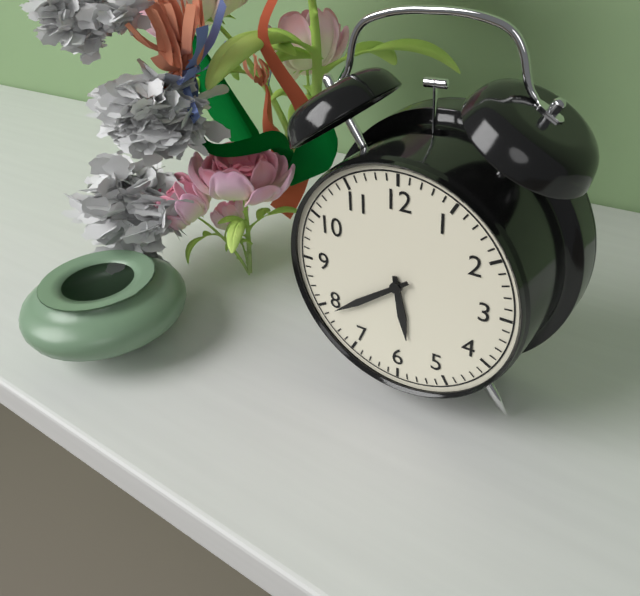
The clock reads 5 h 39 min
